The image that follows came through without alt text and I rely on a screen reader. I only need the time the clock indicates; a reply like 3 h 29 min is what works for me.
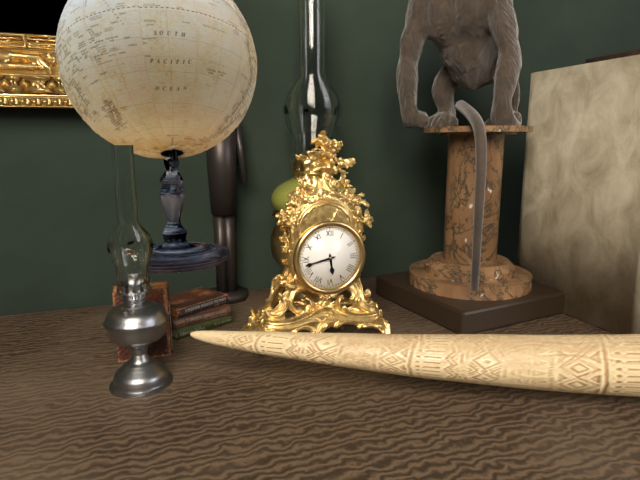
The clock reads 5 h 43 min
